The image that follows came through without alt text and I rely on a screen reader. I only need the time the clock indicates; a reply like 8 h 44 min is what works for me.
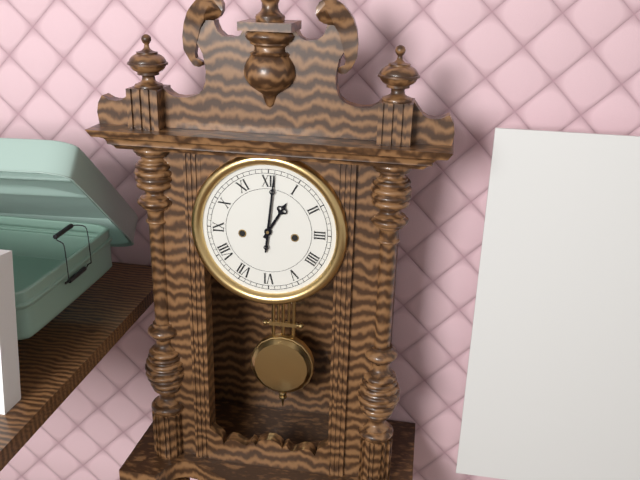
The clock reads 1 h 01 min
